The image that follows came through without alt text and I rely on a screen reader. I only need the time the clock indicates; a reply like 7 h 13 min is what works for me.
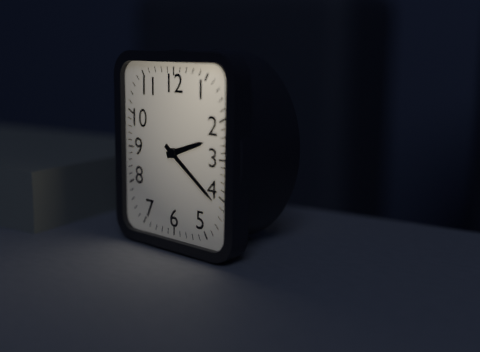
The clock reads 2 h 21 min
